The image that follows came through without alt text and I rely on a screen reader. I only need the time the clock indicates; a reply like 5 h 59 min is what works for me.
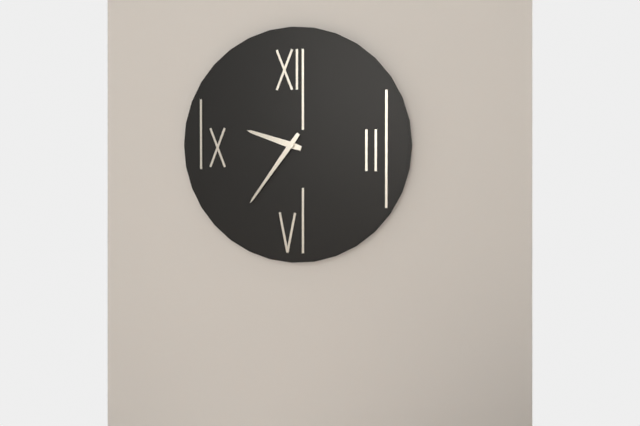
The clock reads 9 h 36 min
